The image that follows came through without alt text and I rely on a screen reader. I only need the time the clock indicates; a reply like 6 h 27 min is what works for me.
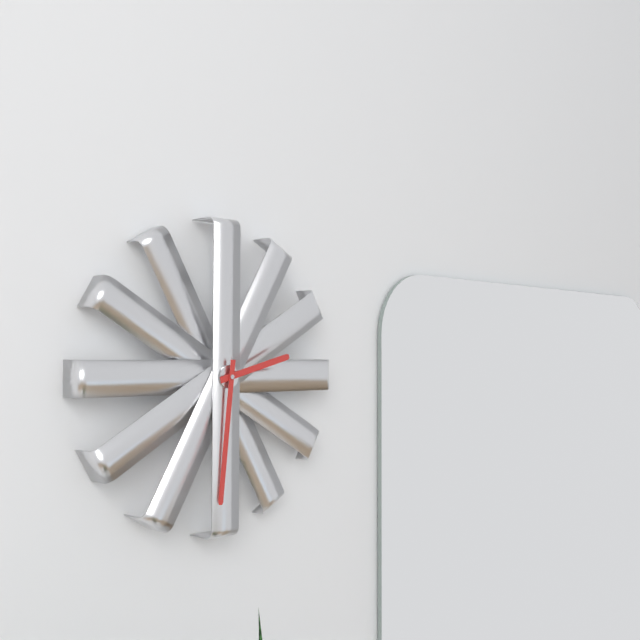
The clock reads 2 h 31 min
